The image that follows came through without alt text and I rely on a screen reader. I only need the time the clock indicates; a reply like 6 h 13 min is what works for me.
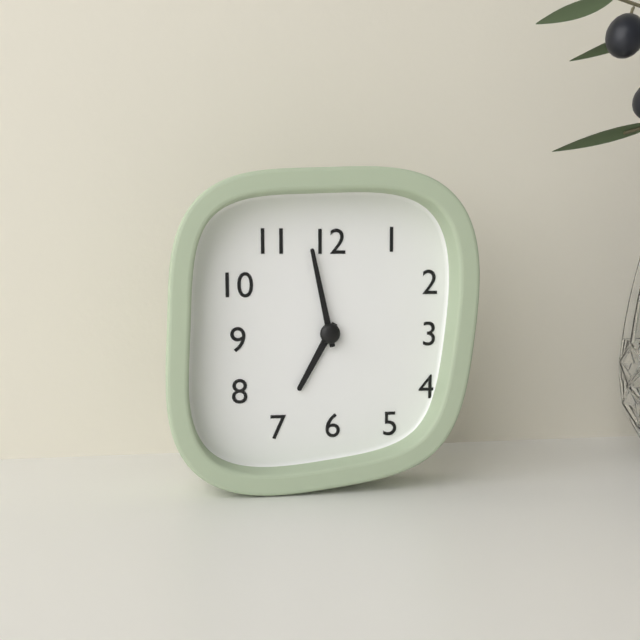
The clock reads 6 h 58 min
